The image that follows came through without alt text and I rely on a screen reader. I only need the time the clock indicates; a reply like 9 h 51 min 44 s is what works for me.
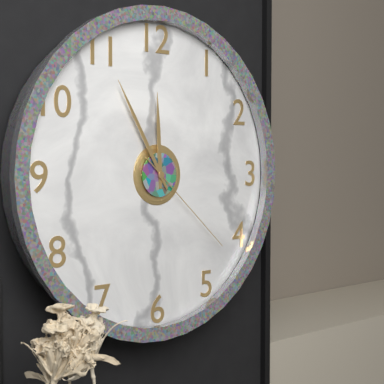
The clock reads 11 h 55 min 22 s
